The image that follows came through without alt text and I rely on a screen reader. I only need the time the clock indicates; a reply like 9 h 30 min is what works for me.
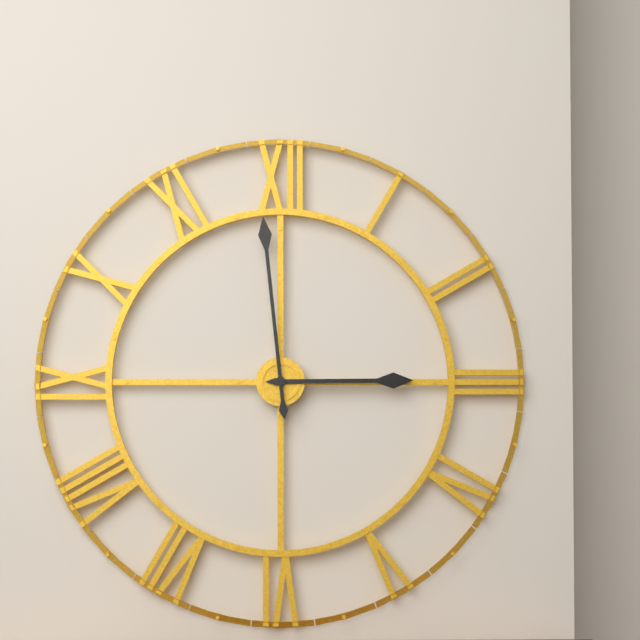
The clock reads 2 h 59 min
